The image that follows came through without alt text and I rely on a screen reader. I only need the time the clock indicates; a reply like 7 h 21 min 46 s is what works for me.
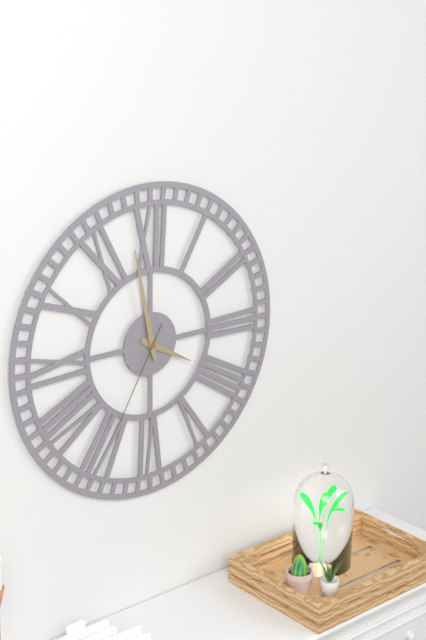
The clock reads 3 h 58 min 35 s
